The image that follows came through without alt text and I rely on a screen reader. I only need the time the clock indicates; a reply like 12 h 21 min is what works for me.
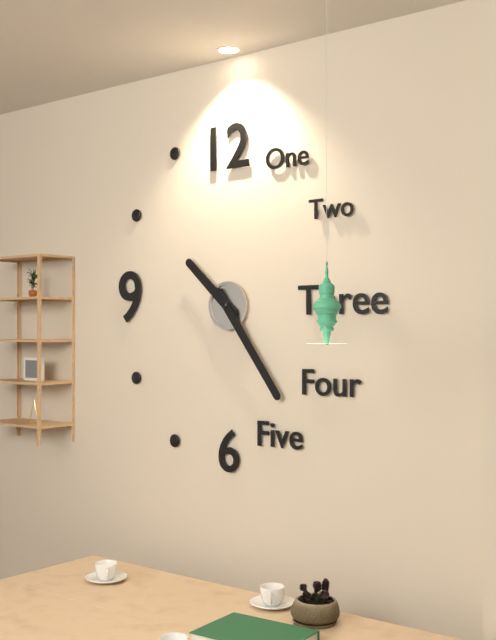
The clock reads 10 h 24 min
